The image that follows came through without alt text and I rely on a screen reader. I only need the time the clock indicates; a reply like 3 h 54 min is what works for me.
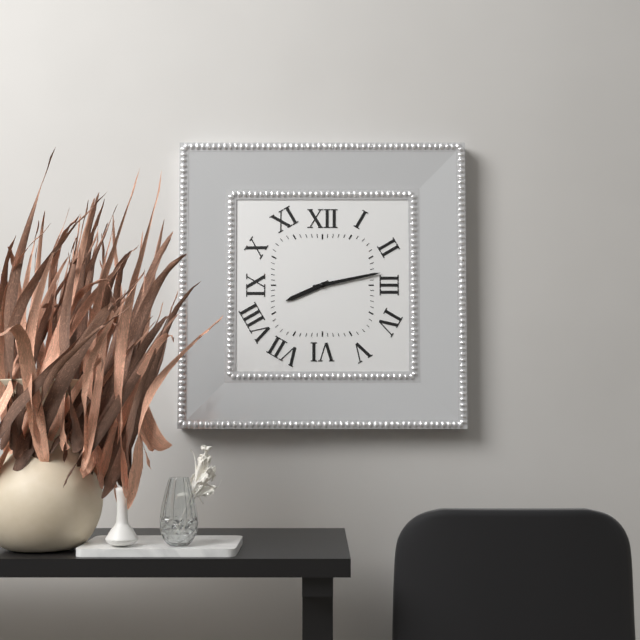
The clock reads 8 h 13 min
